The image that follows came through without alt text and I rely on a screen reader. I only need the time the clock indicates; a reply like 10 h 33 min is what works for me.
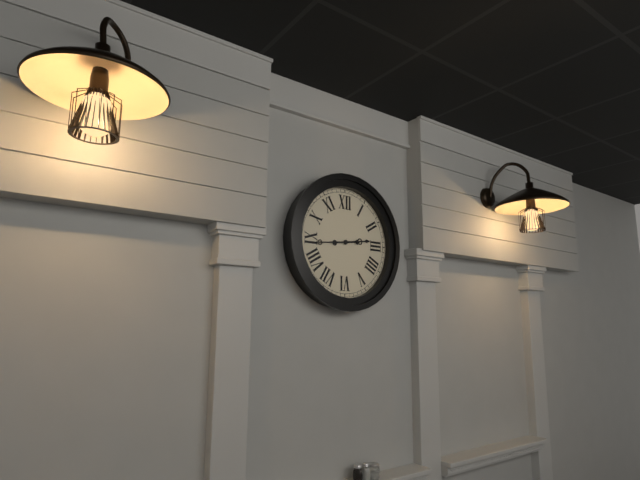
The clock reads 2 h 44 min
